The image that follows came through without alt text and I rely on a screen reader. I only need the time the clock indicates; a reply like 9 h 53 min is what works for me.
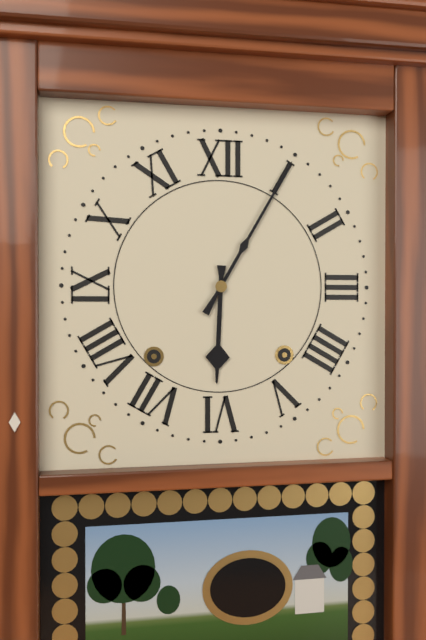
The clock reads 6 h 05 min
